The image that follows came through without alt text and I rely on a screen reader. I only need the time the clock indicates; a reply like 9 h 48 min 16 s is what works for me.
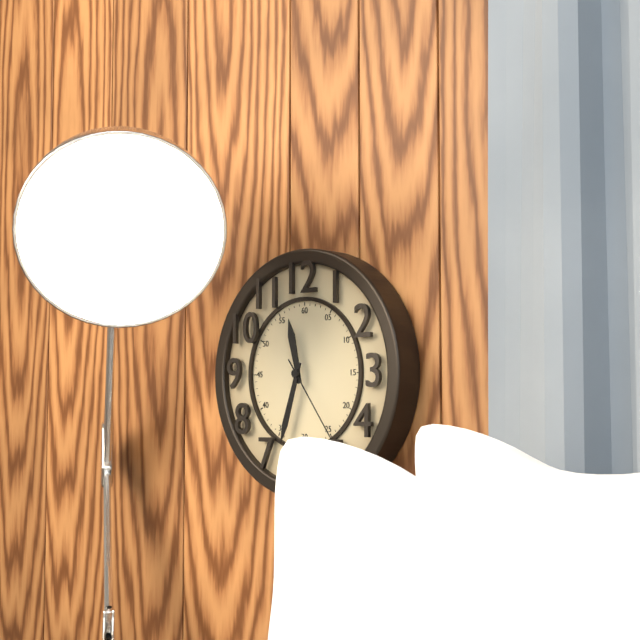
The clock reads 11 h 33 min 24 s
